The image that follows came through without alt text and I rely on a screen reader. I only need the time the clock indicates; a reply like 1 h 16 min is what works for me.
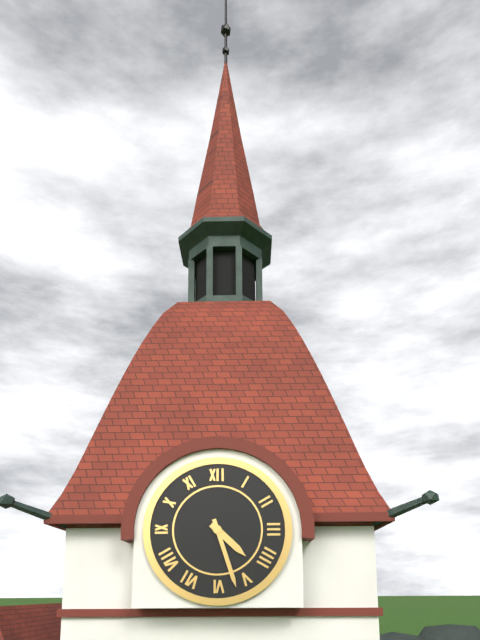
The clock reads 4 h 27 min
